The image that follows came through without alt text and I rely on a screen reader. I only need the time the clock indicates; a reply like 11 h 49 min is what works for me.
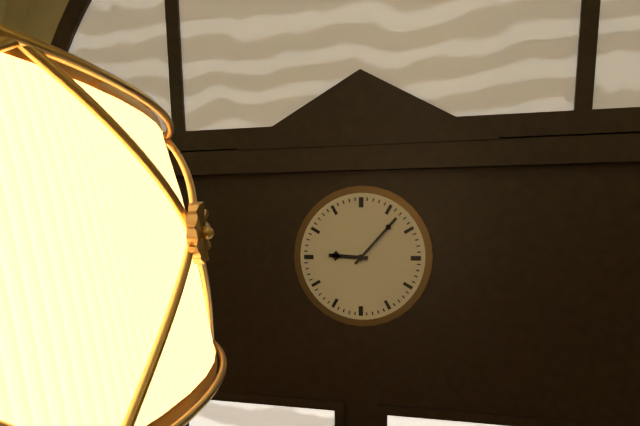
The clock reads 9 h 07 min
